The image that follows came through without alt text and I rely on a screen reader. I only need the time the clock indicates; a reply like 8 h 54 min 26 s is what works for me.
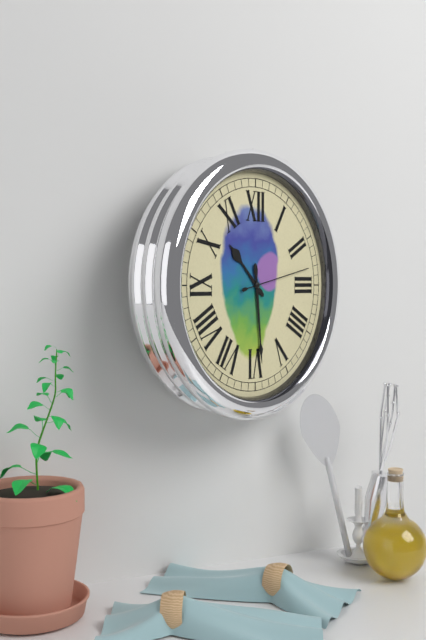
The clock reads 10 h 29 min 13 s
